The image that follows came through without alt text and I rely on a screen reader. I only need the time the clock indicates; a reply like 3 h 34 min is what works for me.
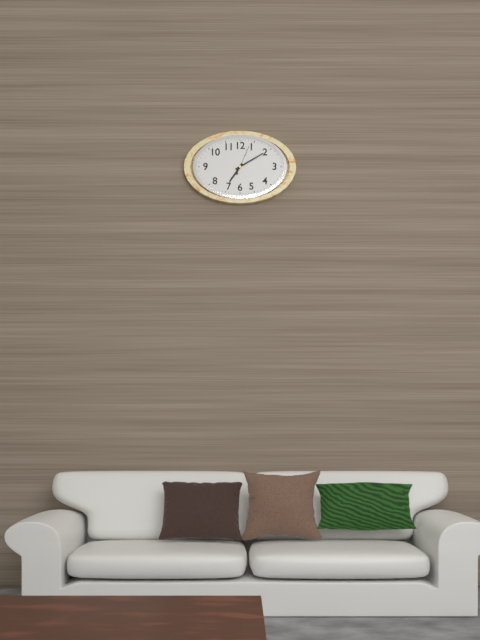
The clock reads 7 h 10 min
